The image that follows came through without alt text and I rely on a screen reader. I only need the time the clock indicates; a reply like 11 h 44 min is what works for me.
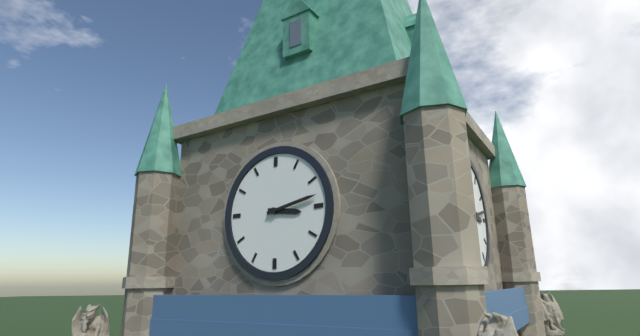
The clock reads 3 h 13 min
